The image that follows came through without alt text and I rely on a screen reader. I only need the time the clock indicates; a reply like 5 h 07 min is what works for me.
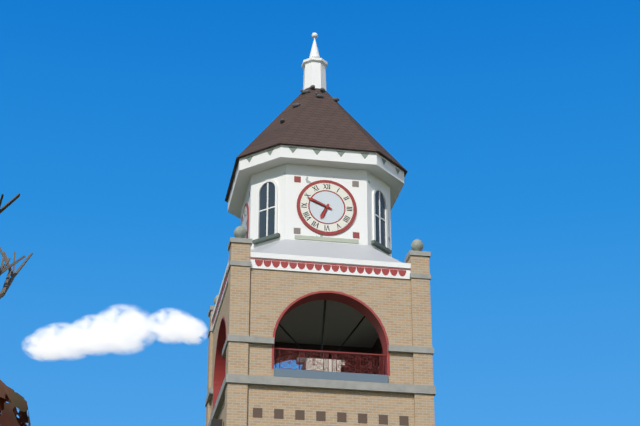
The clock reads 6 h 49 min
